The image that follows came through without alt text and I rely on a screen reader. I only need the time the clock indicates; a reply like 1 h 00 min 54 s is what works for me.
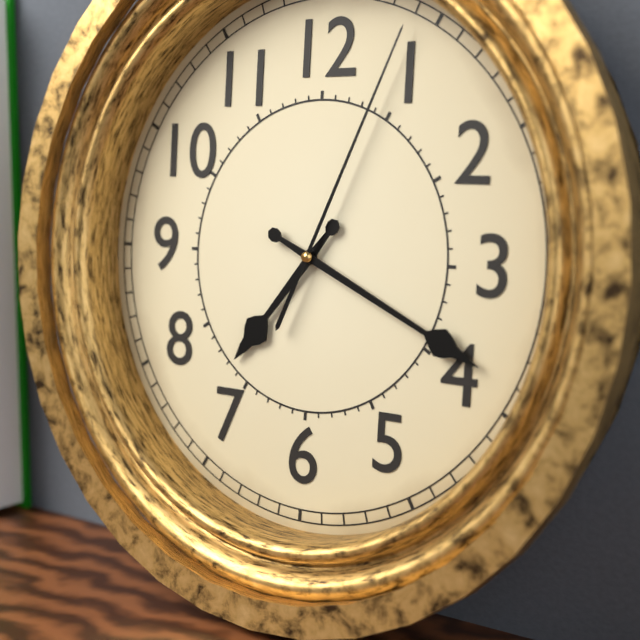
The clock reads 7 h 19 min 04 s
